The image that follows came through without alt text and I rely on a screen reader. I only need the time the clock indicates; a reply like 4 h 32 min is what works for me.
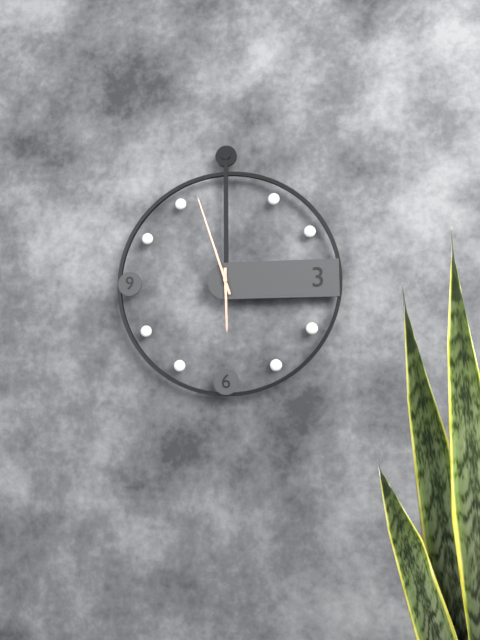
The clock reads 5 h 57 min
